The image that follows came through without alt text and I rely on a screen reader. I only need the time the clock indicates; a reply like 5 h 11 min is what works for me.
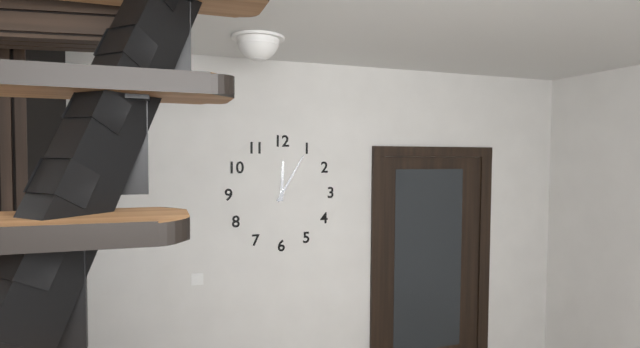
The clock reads 12 h 05 min
